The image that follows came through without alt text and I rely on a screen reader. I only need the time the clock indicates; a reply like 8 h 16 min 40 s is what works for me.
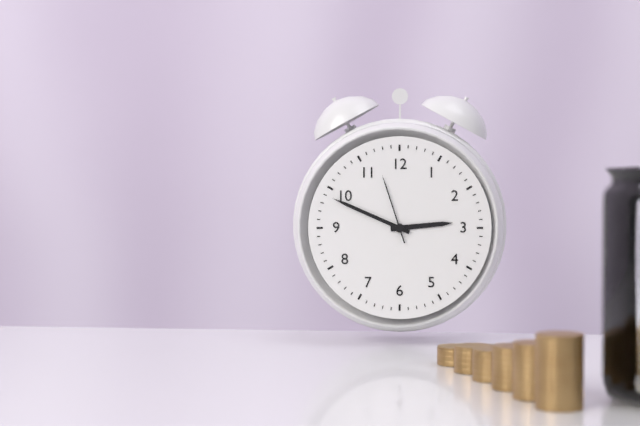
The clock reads 2 h 49 min 57 s
